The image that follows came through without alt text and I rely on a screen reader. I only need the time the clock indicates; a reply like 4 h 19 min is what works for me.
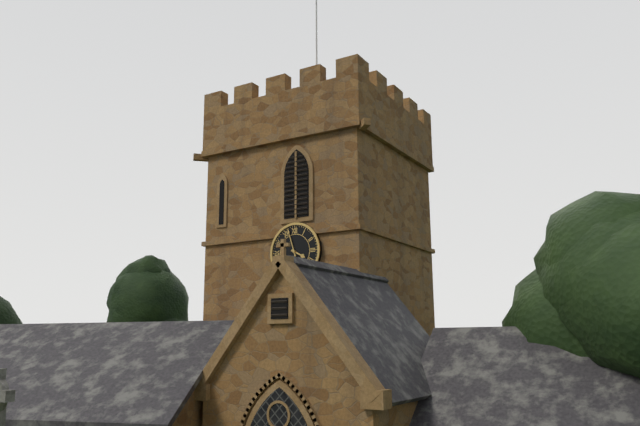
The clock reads 3 h 57 min
